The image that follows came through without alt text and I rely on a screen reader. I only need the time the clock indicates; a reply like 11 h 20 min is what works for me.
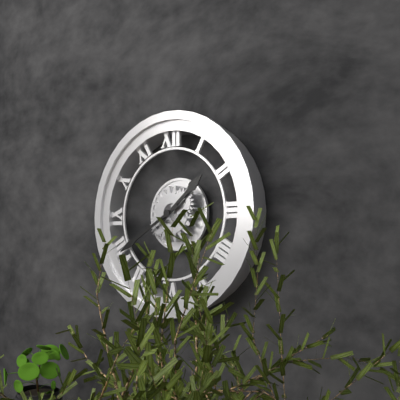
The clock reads 1 h 40 min
